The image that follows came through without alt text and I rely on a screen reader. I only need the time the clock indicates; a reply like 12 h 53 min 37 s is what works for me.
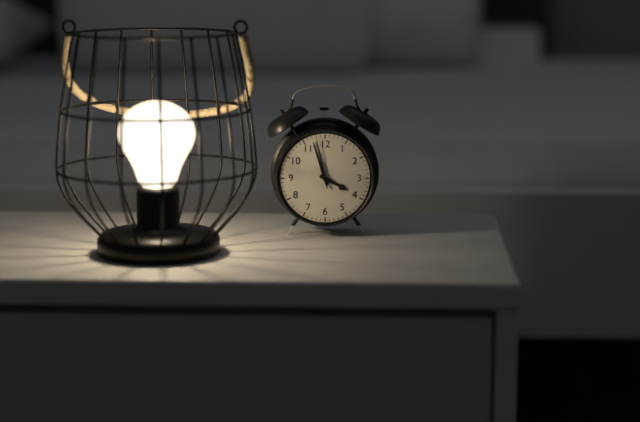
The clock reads 3 h 57 min 58 s
